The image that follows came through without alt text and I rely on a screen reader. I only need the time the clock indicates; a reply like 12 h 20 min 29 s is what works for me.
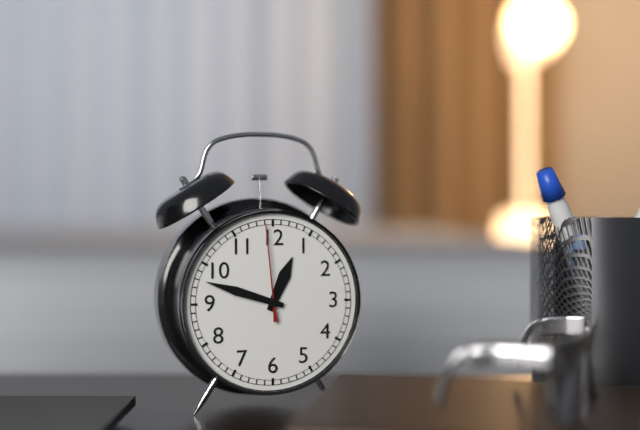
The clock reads 12 h 48 min 59 s
